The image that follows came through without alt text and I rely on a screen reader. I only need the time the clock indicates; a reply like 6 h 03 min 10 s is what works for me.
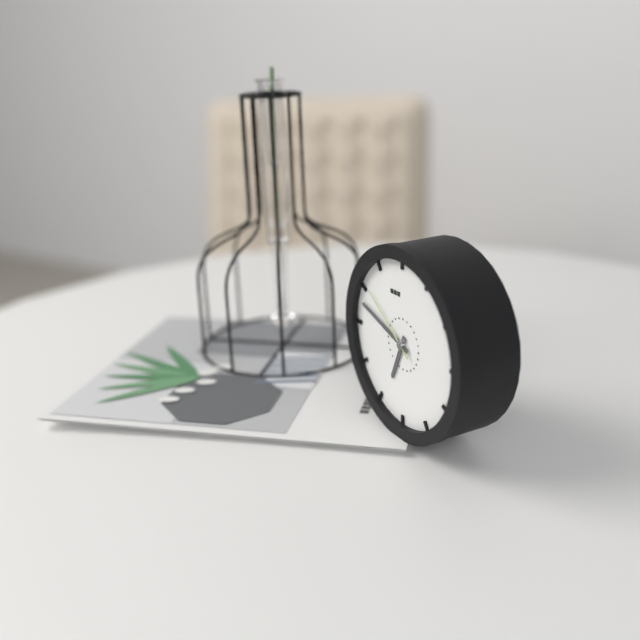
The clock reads 6 h 48 min 51 s
